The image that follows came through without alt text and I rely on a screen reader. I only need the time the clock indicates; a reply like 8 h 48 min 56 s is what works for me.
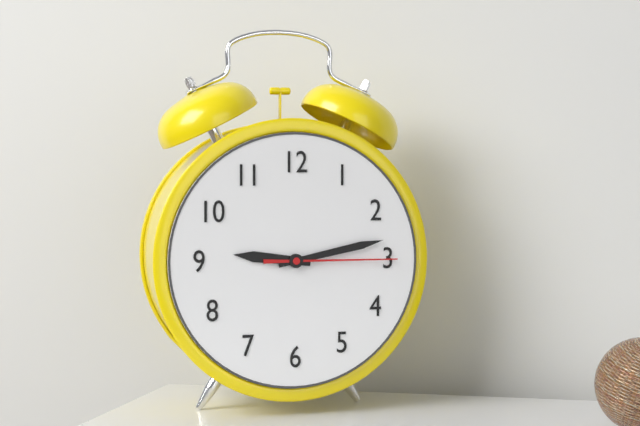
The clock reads 9 h 13 min 15 s
